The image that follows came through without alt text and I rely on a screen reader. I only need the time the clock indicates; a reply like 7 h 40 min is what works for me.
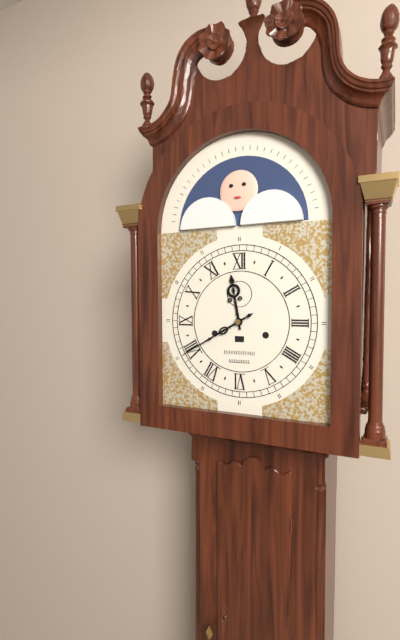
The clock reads 11 h 40 min
